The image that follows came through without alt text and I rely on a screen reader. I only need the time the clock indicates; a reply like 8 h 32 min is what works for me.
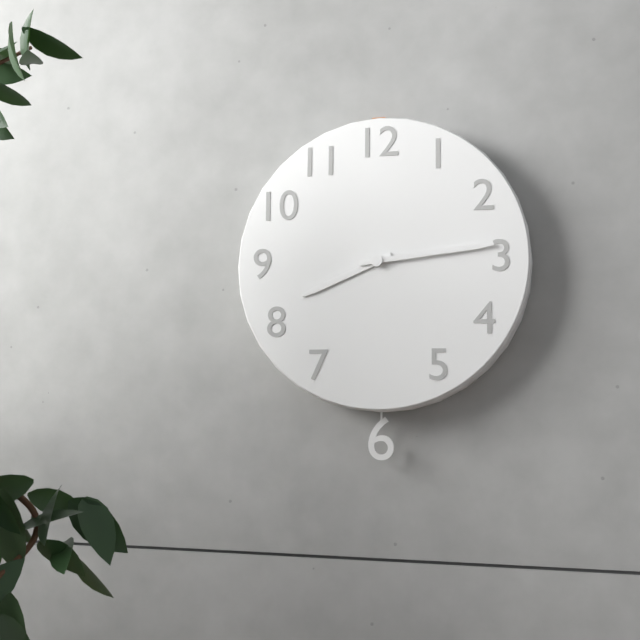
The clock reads 8 h 14 min
